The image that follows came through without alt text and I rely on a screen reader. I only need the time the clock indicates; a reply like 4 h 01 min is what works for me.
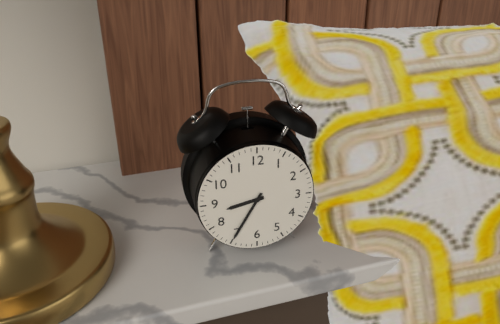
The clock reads 8 h 35 min
